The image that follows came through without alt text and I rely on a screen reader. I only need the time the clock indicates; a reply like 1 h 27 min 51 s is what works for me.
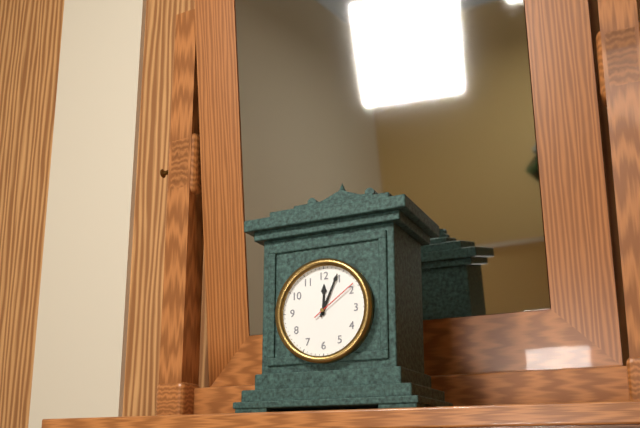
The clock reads 12 h 04 min 09 s
